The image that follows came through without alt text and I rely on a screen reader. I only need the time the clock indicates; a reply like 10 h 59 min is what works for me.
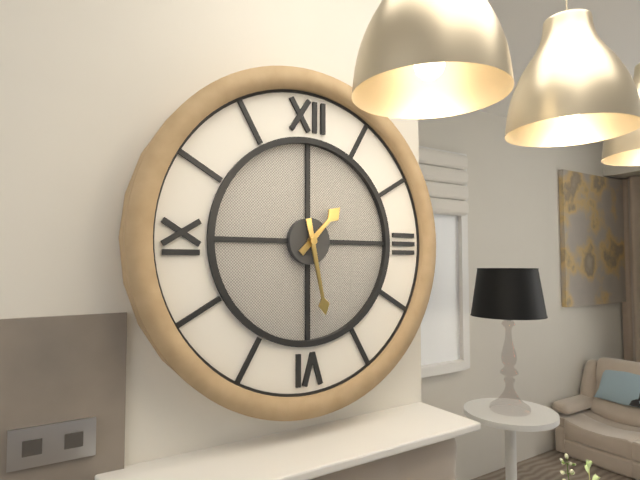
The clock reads 1 h 28 min
